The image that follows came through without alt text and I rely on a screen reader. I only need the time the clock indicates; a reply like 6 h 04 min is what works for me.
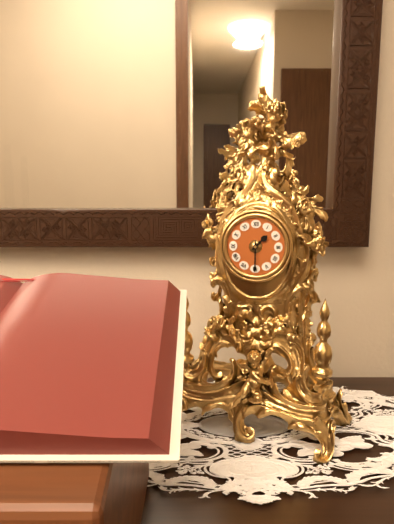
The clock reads 1 h 30 min
